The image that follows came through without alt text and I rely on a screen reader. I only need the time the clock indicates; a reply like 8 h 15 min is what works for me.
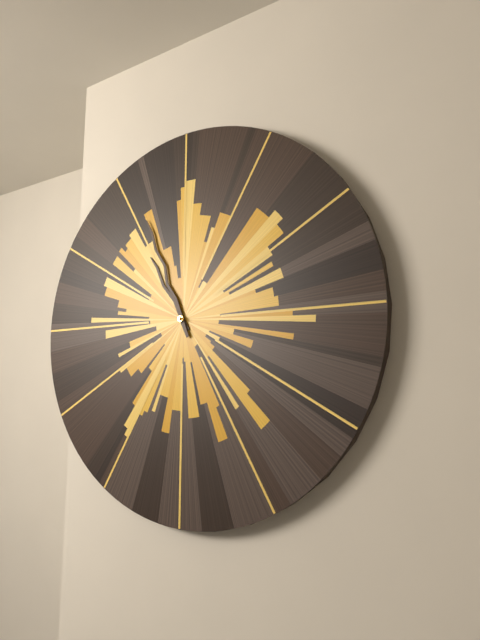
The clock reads 10 h 56 min
